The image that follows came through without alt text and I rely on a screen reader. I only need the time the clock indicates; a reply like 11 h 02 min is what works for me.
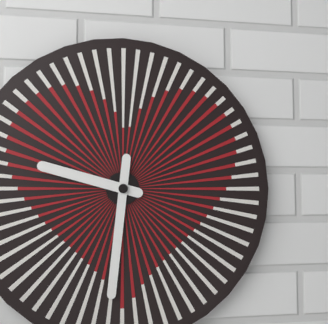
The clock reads 9 h 31 min
